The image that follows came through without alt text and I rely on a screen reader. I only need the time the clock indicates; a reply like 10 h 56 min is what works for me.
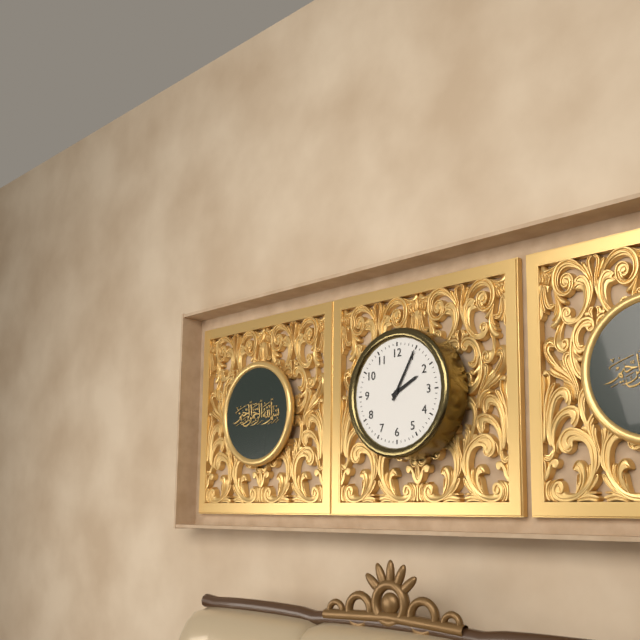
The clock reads 2 h 05 min
